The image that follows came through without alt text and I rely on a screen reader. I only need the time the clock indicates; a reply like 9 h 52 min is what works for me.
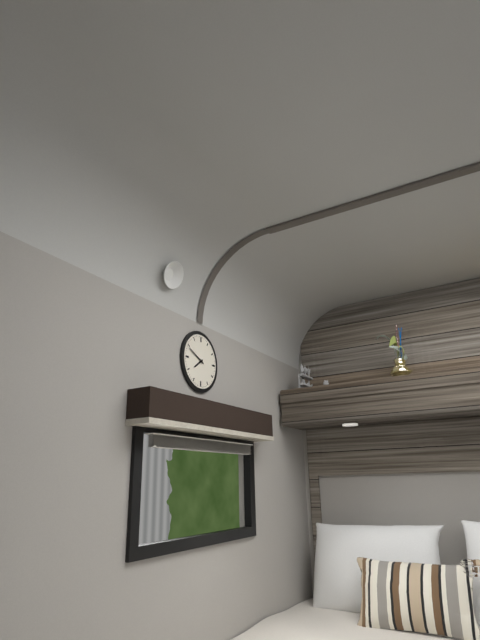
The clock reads 7 h 49 min
